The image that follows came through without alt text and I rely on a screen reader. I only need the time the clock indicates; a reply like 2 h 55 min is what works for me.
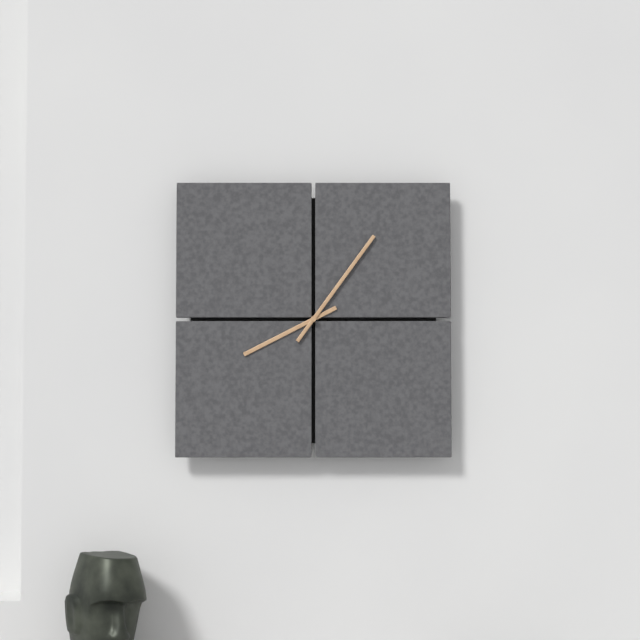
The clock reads 8 h 06 min
